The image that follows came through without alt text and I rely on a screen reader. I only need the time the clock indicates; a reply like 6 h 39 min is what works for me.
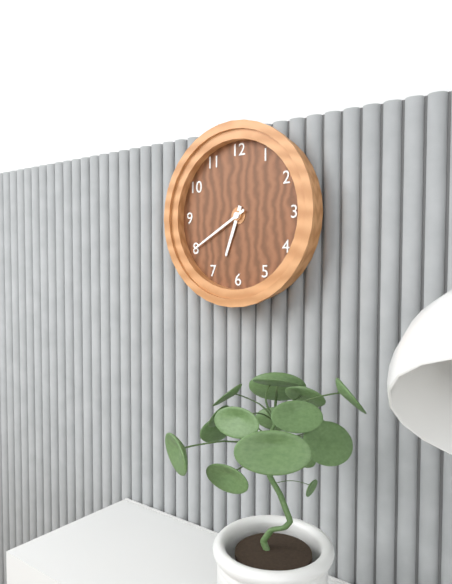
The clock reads 6 h 40 min
